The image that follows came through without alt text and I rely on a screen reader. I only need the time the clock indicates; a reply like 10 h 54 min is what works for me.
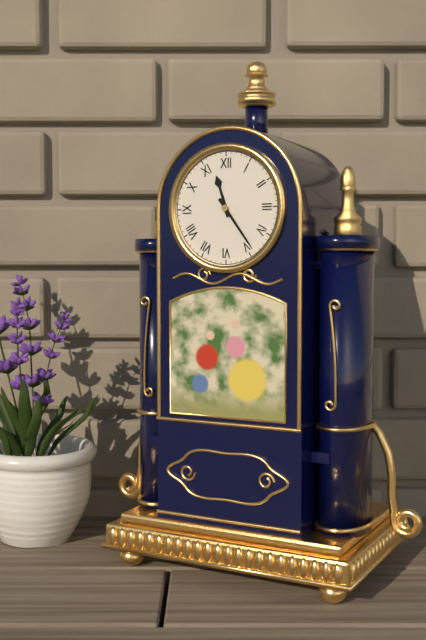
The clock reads 11 h 24 min
